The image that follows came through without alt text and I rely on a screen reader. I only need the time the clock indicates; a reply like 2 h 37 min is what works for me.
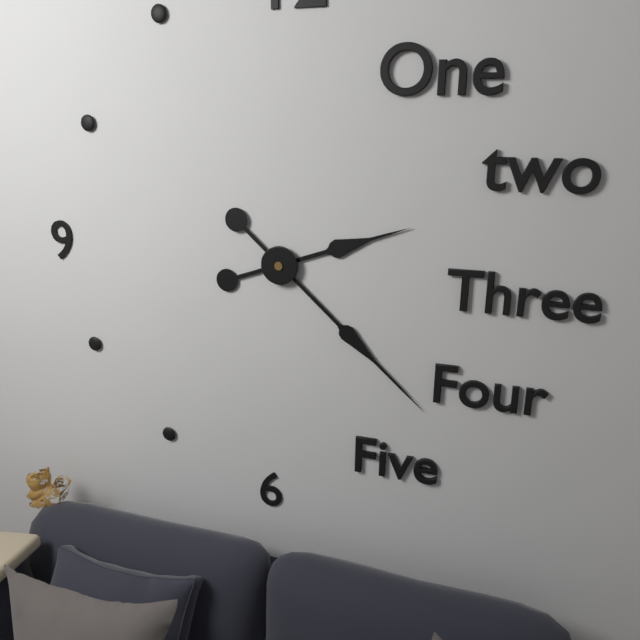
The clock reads 2 h 22 min
